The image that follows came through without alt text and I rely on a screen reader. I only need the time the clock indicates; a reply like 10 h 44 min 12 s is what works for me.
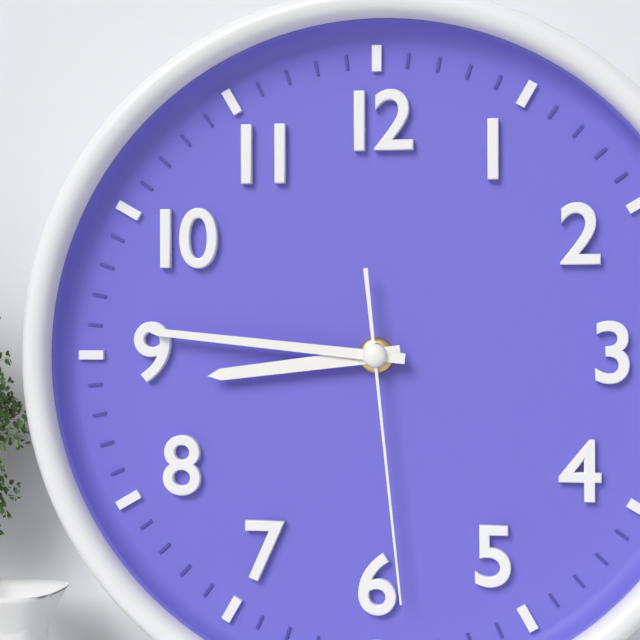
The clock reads 8 h 46 min 29 s
